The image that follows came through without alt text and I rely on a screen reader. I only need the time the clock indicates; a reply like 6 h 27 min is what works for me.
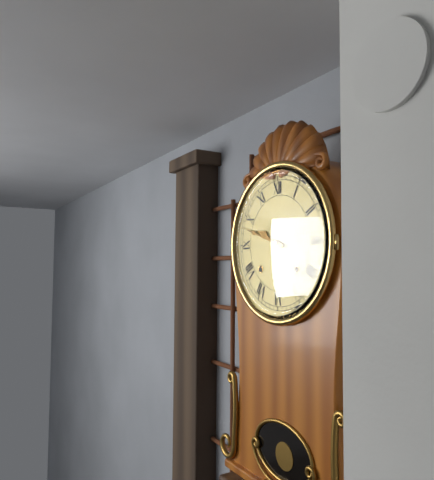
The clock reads 9 h 48 min
